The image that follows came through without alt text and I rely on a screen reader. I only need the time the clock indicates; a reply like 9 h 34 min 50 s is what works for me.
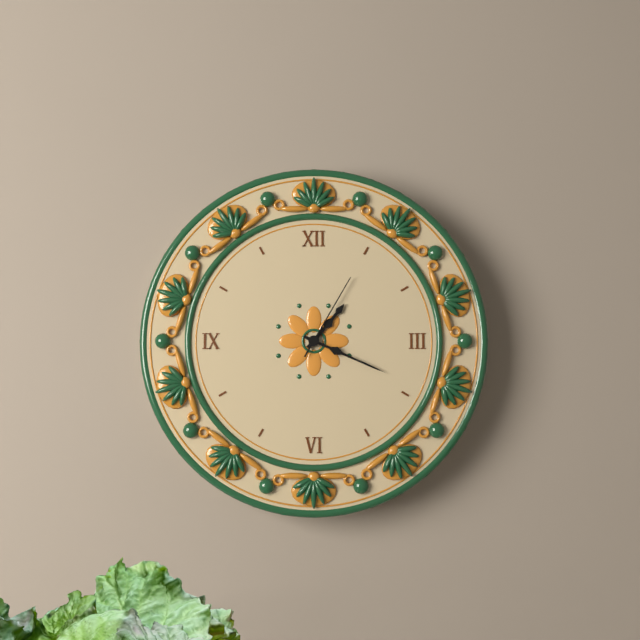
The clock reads 1 h 19 min 05 s
